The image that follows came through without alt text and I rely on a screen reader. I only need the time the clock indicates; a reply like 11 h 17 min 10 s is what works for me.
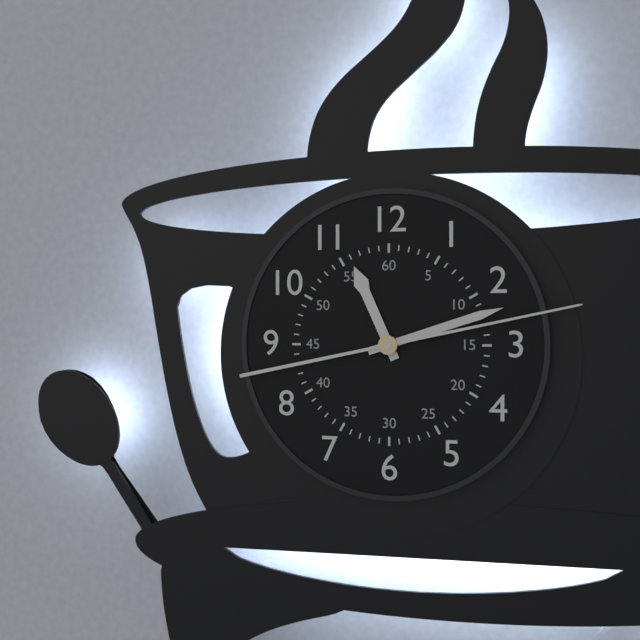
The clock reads 11 h 12 min 13 s
